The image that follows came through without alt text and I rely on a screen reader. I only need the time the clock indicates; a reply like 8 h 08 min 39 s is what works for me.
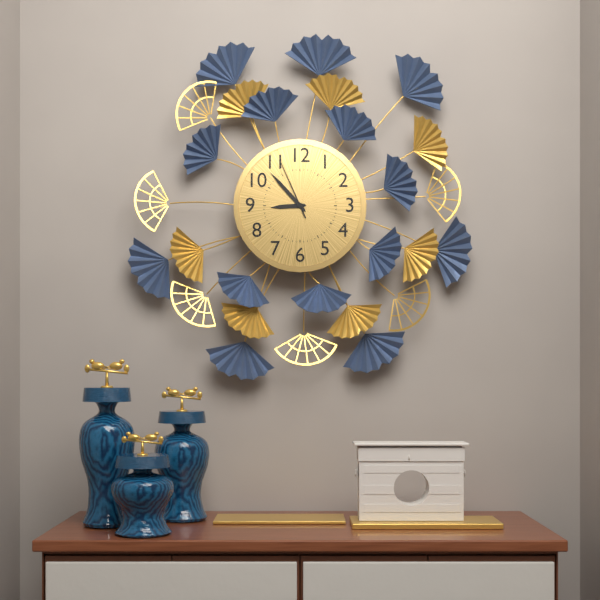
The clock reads 8 h 53 min 56 s
